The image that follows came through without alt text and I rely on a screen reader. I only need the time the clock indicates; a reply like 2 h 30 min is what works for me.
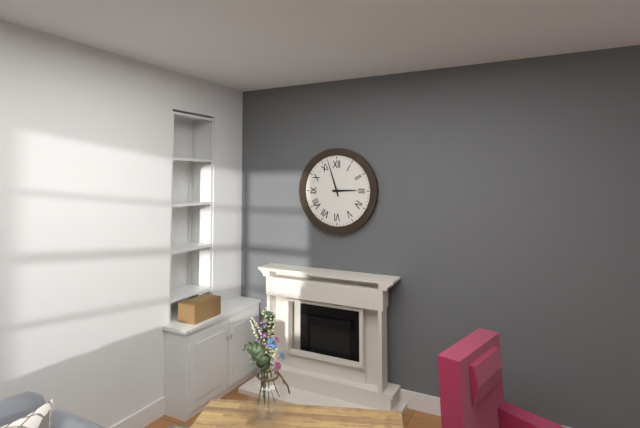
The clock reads 2 h 57 min
